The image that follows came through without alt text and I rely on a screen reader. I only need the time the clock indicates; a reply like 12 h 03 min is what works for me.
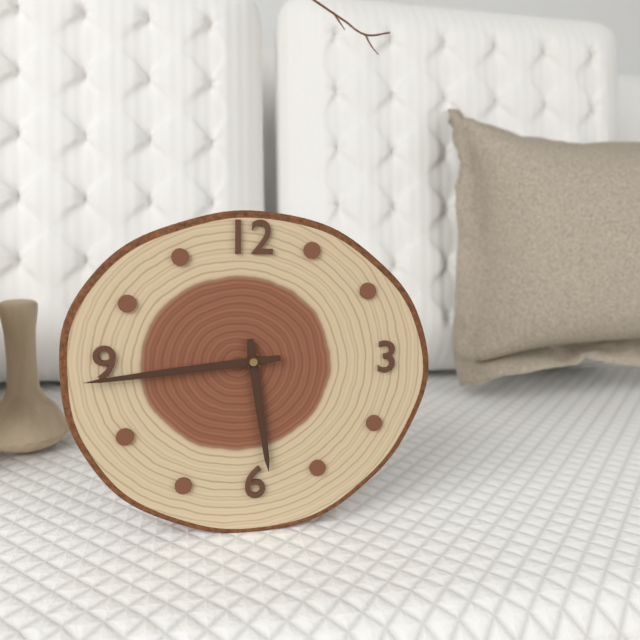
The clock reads 5 h 44 min
